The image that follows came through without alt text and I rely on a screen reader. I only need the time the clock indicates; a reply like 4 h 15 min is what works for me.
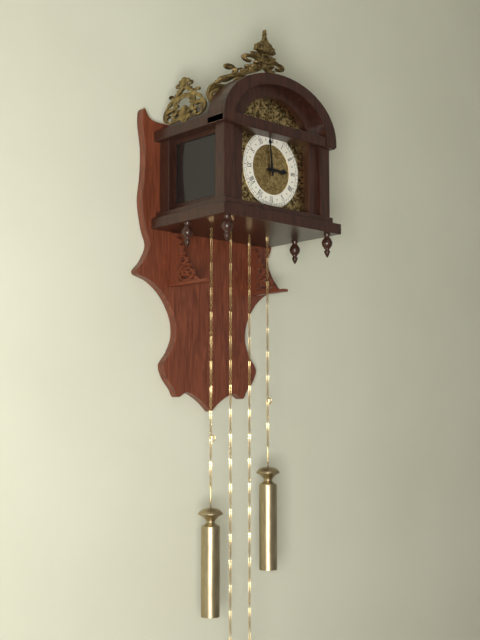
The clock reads 2 h 59 min
